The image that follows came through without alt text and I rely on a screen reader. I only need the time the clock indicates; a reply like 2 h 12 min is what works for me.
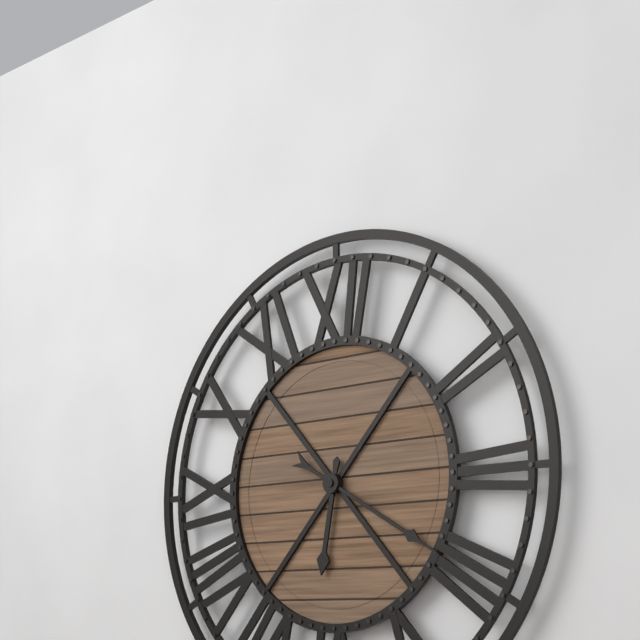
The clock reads 6 h 20 min
